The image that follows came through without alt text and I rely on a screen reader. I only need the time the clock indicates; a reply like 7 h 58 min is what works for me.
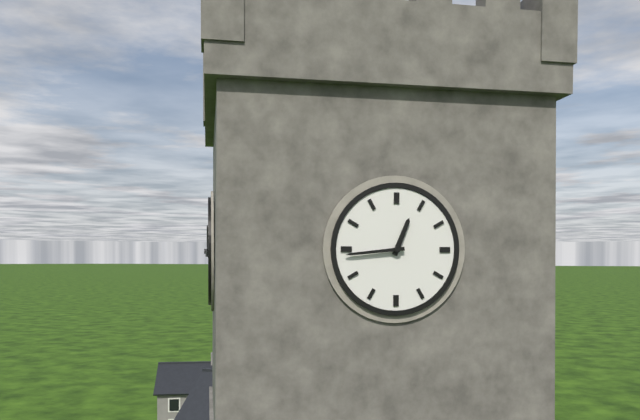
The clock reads 12 h 44 min
